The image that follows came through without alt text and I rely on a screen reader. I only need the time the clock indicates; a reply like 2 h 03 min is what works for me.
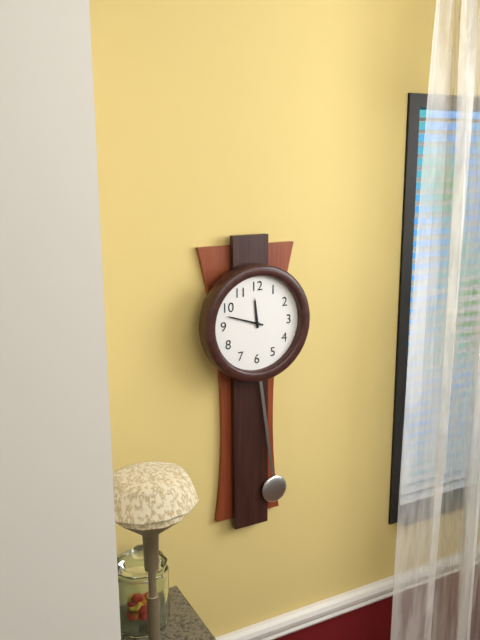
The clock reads 11 h 48 min
